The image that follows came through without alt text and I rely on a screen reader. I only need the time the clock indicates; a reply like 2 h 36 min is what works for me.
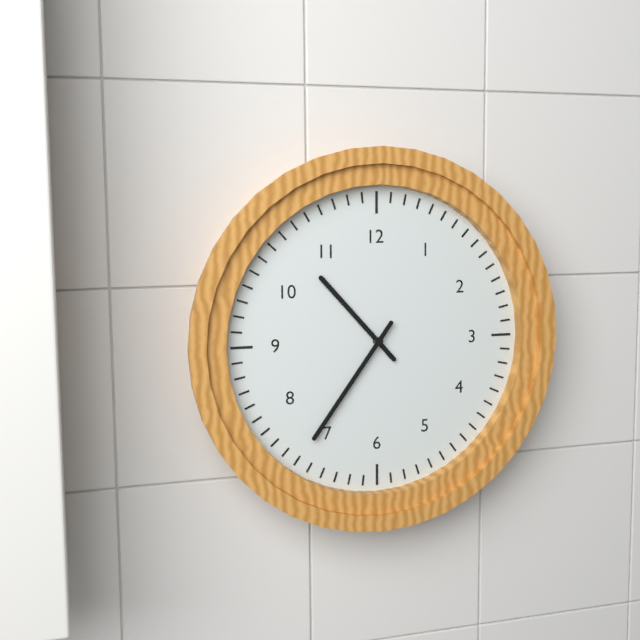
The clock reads 10 h 36 min
